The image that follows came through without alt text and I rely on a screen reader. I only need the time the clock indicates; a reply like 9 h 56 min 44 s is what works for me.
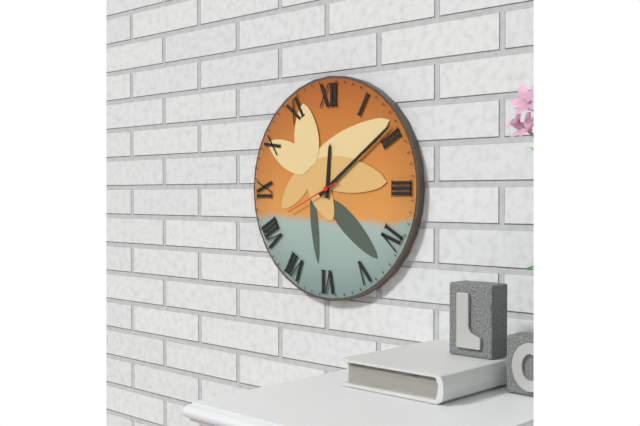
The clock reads 12 h 09 min 41 s
